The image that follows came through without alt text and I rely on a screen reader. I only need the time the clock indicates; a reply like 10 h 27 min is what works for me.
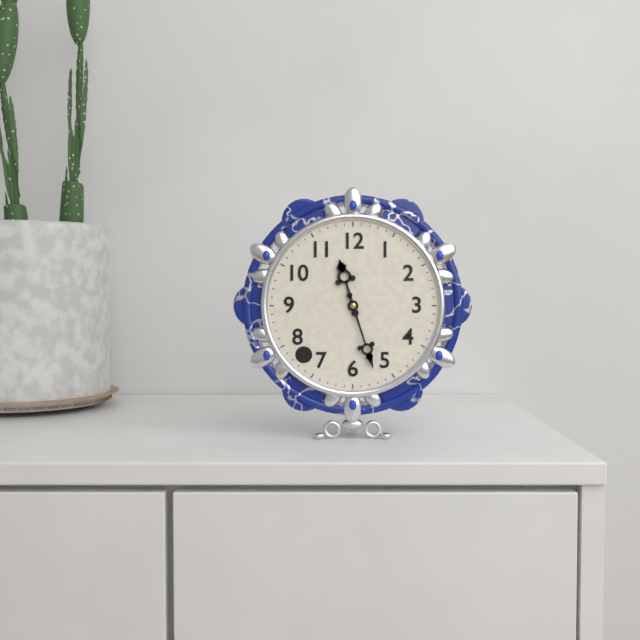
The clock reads 11 h 27 min
